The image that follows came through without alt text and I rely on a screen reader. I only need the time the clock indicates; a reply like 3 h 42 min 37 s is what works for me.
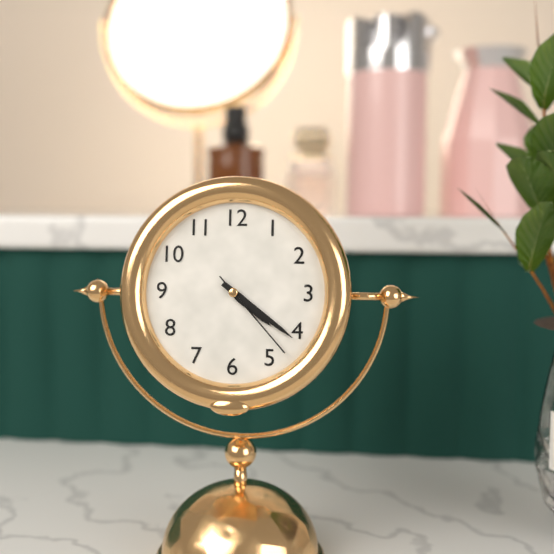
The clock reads 4 h 21 min 23 s
